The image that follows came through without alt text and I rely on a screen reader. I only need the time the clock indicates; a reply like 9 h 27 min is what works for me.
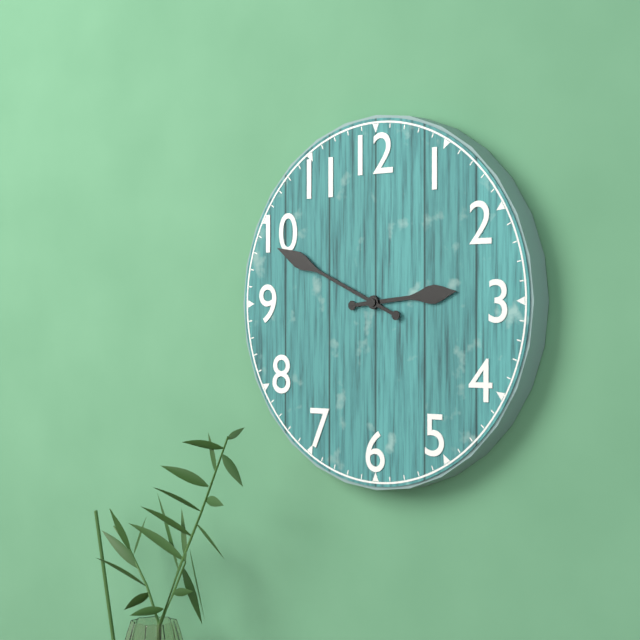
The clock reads 2 h 49 min
